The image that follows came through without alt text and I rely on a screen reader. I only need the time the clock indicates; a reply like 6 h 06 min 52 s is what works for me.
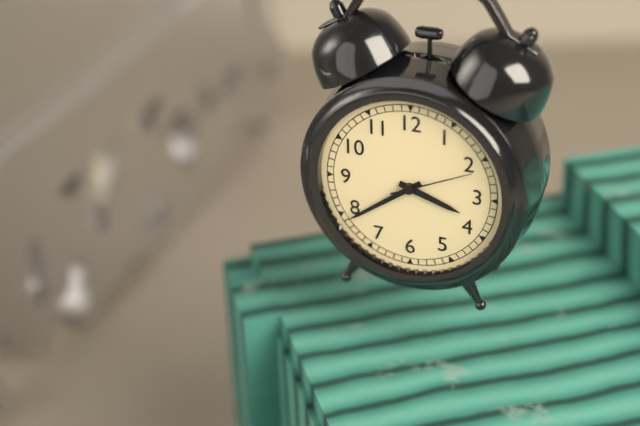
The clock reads 3 h 39 min 11 s
